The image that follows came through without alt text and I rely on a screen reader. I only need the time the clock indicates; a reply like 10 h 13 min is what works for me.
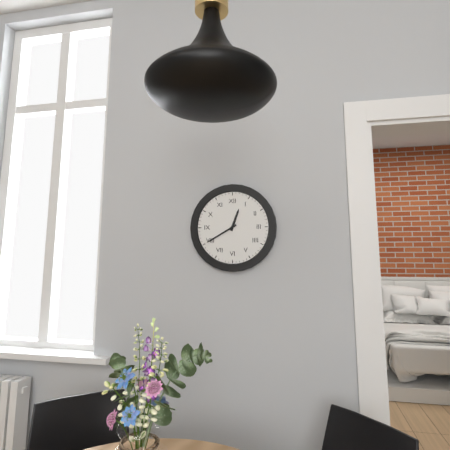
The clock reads 12 h 40 min
